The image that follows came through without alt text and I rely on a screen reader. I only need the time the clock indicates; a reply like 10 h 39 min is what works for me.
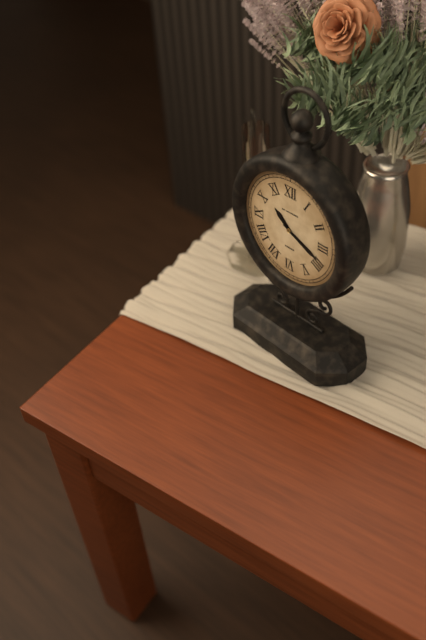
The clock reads 10 h 19 min
